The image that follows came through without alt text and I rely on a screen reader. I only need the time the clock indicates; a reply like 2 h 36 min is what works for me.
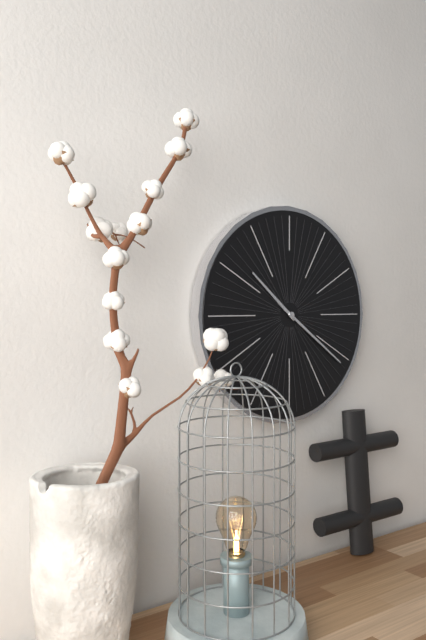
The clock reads 10 h 21 min
